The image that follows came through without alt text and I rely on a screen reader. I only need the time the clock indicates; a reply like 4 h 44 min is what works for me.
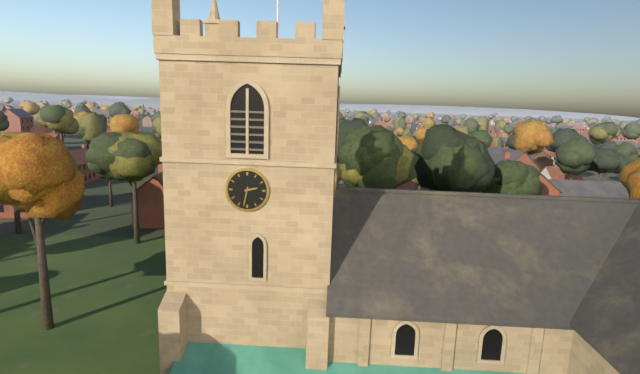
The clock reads 2 h 32 min
